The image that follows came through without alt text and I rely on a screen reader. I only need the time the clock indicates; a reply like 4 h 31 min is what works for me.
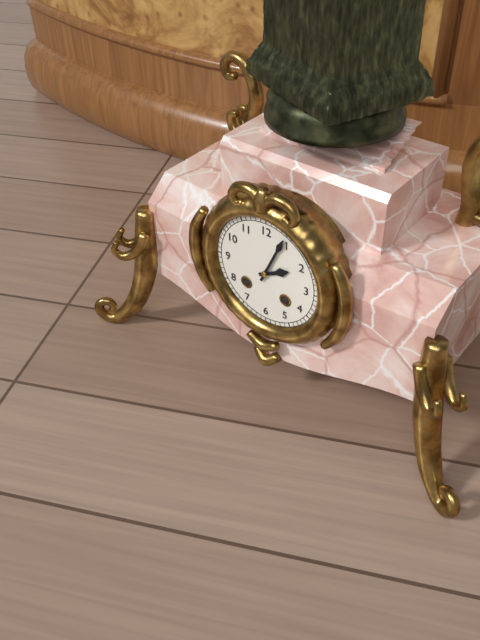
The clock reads 2 h 04 min
